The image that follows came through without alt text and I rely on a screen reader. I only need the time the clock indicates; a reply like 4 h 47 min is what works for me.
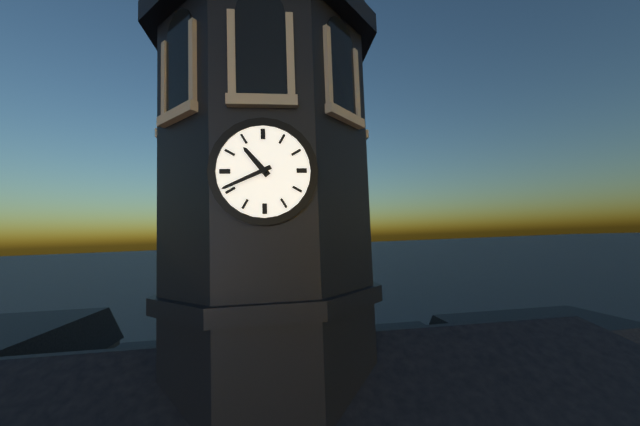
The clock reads 10 h 41 min
